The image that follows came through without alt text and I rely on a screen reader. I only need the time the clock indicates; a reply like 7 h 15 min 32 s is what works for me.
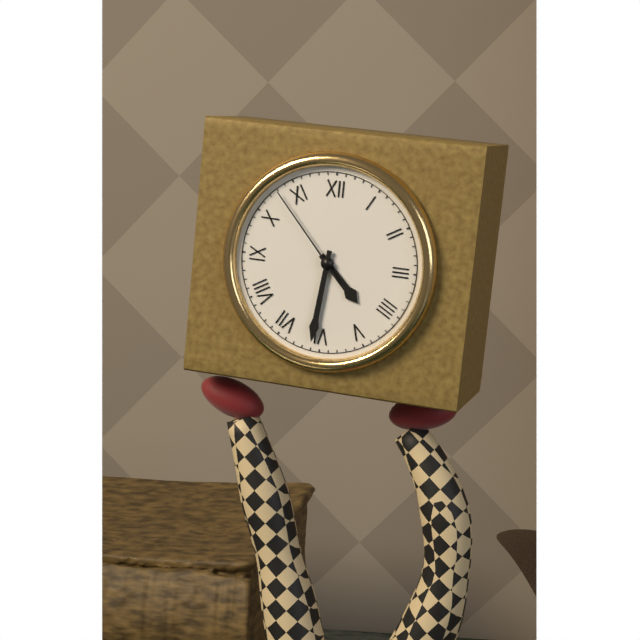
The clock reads 4 h 31 min 53 s
